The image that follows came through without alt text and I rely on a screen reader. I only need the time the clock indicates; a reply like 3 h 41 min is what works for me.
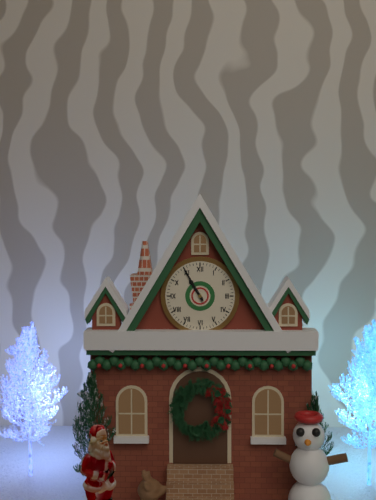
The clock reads 10 h 55 min
